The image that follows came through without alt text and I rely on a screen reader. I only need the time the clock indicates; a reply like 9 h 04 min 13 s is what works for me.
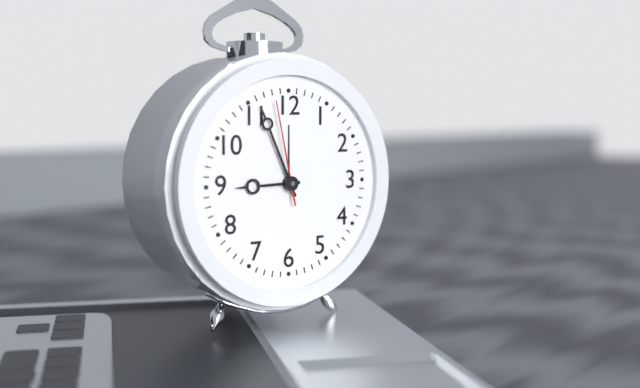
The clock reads 8 h 56 min 58 s
